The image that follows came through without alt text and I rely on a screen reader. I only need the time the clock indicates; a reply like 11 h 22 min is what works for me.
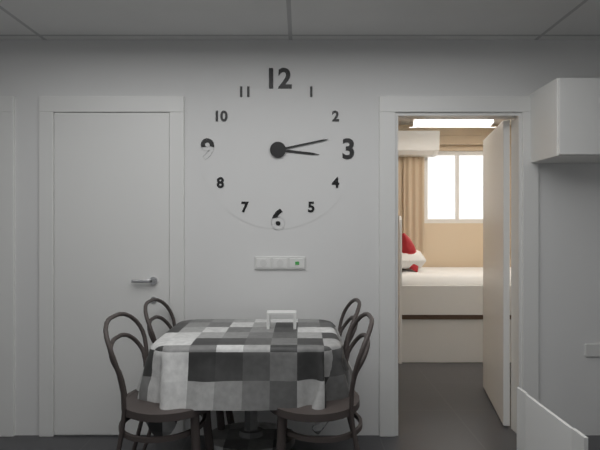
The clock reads 3 h 13 min
